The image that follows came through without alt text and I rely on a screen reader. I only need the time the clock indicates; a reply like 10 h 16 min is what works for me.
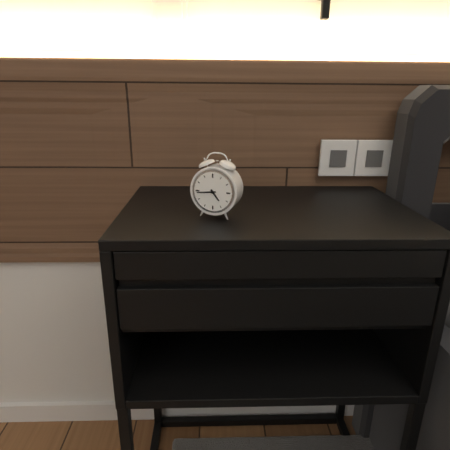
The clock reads 4 h 44 min
